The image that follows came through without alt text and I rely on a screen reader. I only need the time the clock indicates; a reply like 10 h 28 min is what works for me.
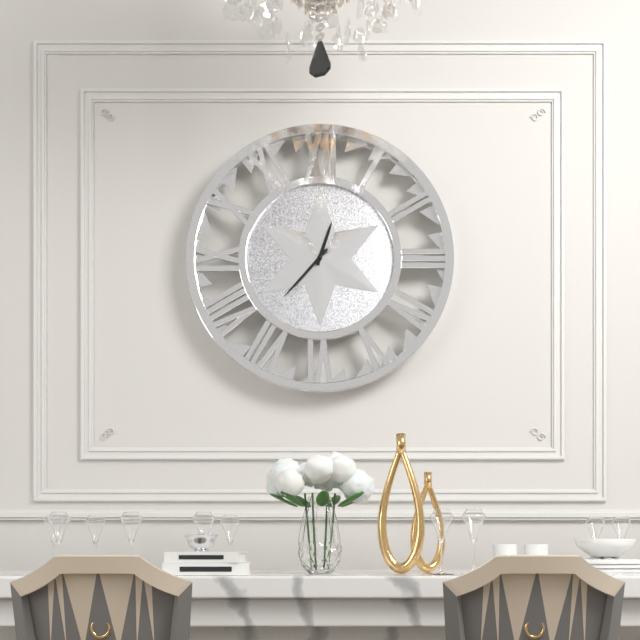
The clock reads 12 h 37 min
